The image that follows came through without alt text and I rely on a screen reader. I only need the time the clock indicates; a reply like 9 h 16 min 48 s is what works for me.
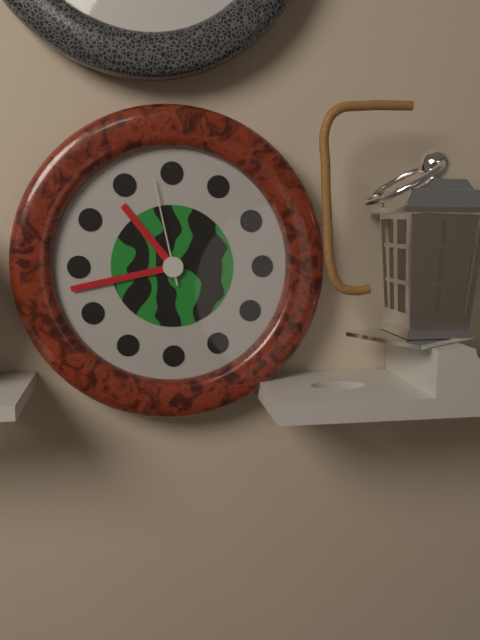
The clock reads 10 h 43 min 58 s
